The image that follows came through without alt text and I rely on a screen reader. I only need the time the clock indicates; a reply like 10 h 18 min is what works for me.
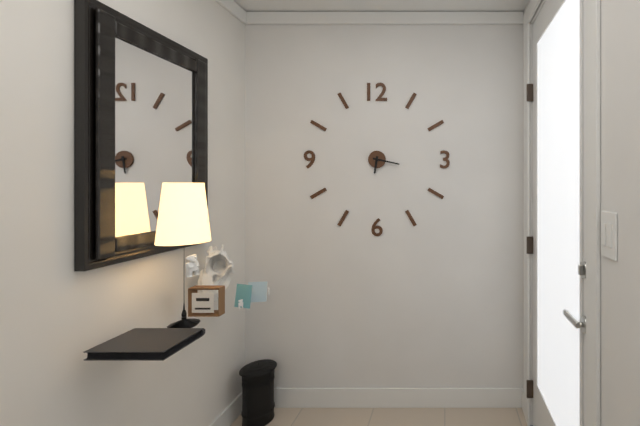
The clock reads 6 h 17 min
